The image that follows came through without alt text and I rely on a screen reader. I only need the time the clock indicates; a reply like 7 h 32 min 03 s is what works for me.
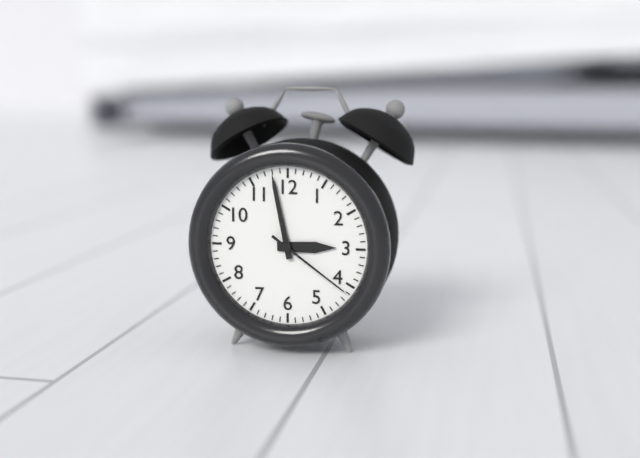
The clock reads 2 h 58 min 21 s
